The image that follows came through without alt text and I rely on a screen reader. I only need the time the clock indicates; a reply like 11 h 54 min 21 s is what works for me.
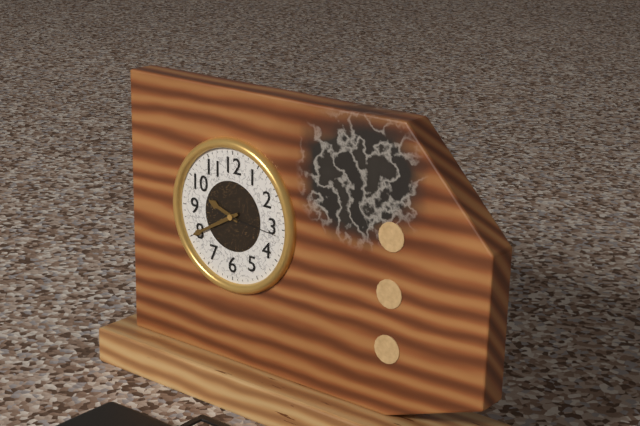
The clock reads 9 h 40 min 16 s
